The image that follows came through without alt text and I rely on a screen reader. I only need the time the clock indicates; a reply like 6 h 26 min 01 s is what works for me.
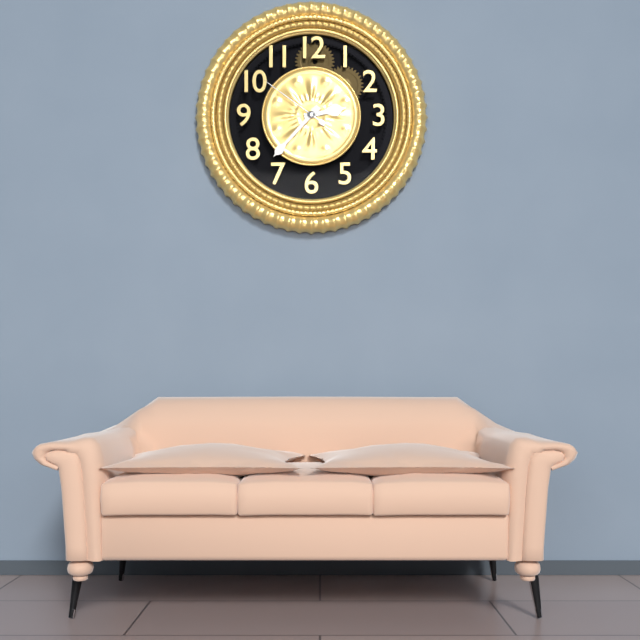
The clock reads 2 h 37 min 51 s
